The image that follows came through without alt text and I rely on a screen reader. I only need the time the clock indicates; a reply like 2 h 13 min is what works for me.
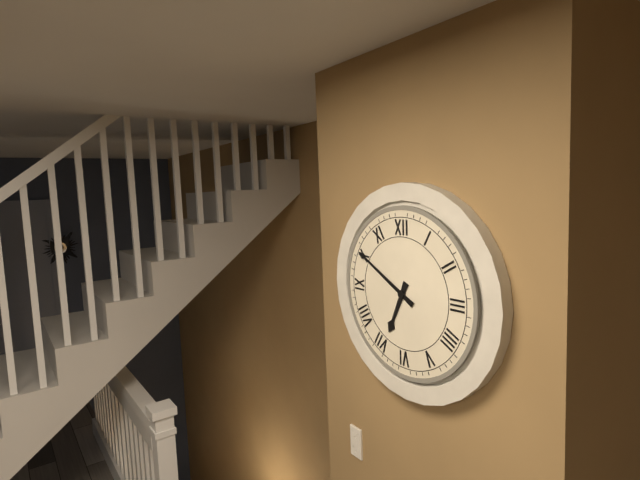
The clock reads 6 h 50 min
